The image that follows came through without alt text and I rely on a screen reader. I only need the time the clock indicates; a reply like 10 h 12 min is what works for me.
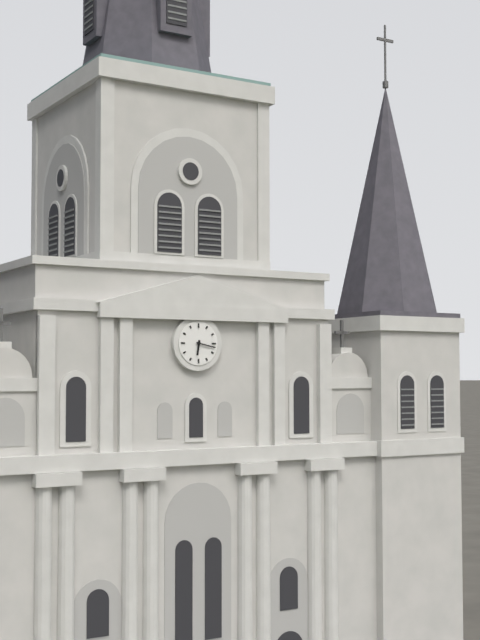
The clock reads 6 h 17 min
